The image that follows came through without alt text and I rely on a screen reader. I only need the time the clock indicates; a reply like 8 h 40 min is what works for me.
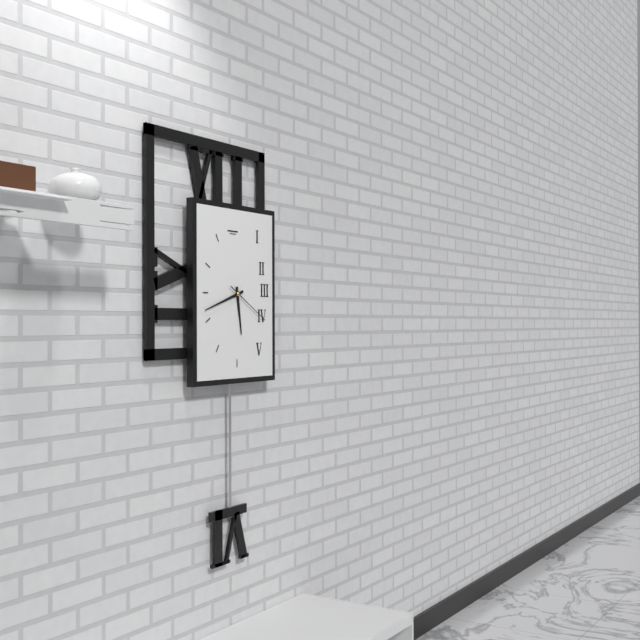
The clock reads 5 h 42 min
